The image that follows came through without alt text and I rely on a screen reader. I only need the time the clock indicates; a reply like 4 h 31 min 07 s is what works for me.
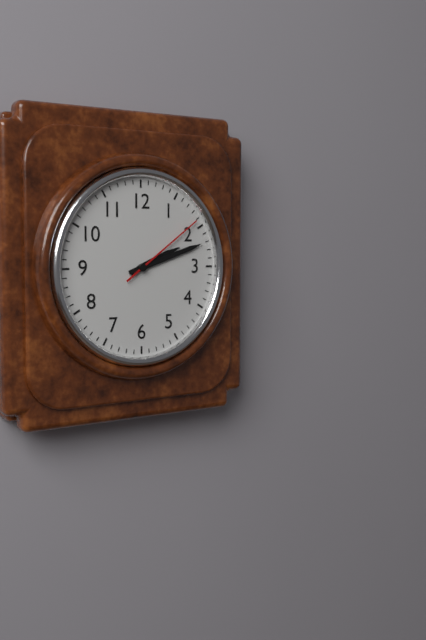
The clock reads 2 h 12 min 09 s
